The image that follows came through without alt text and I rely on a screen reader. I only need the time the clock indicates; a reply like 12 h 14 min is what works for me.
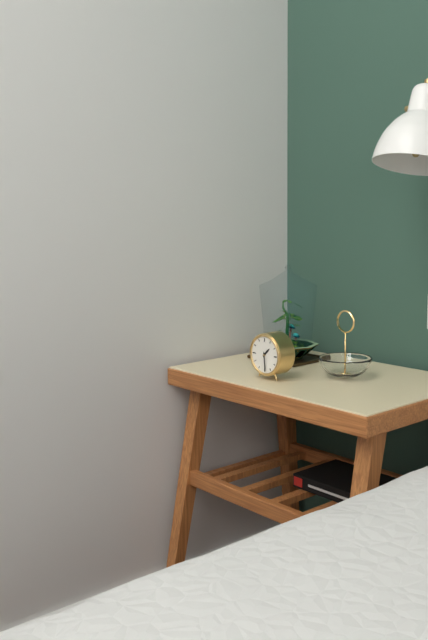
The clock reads 1 h 29 min
